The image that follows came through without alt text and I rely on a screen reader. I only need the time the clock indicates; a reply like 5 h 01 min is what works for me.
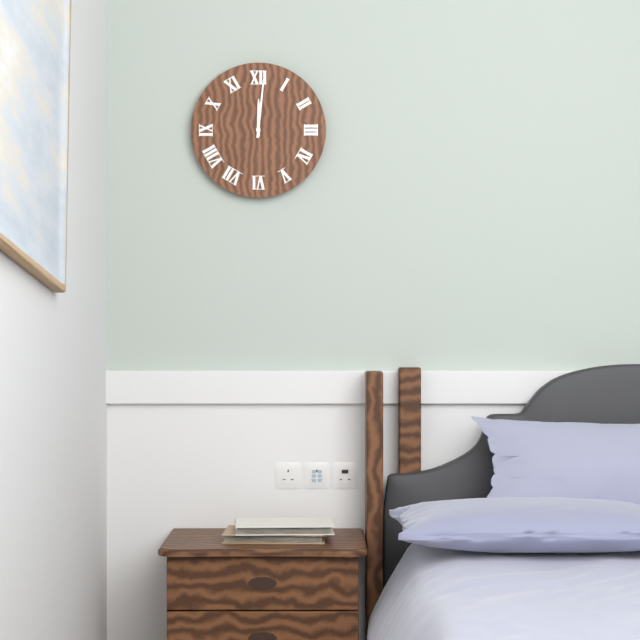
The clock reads 12 h 01 min
